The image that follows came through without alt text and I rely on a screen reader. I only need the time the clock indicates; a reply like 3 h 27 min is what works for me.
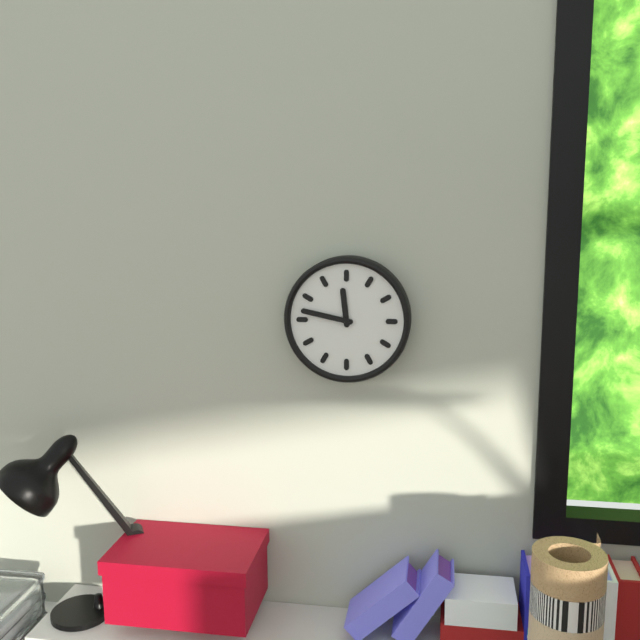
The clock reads 11 h 47 min
